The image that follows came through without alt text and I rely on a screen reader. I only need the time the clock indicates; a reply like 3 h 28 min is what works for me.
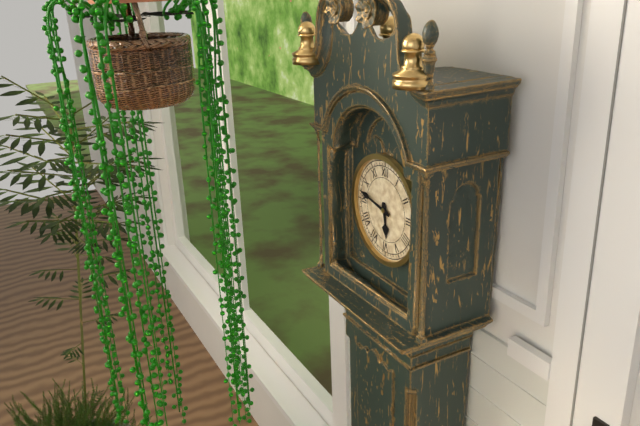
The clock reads 5 h 47 min
